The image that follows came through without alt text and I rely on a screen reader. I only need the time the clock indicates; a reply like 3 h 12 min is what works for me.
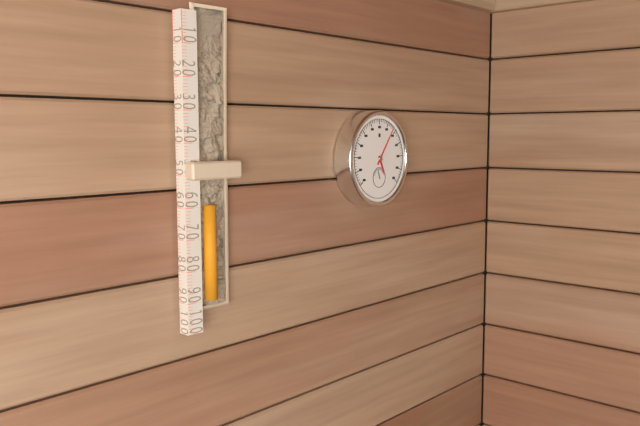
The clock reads 5 h 06 min
